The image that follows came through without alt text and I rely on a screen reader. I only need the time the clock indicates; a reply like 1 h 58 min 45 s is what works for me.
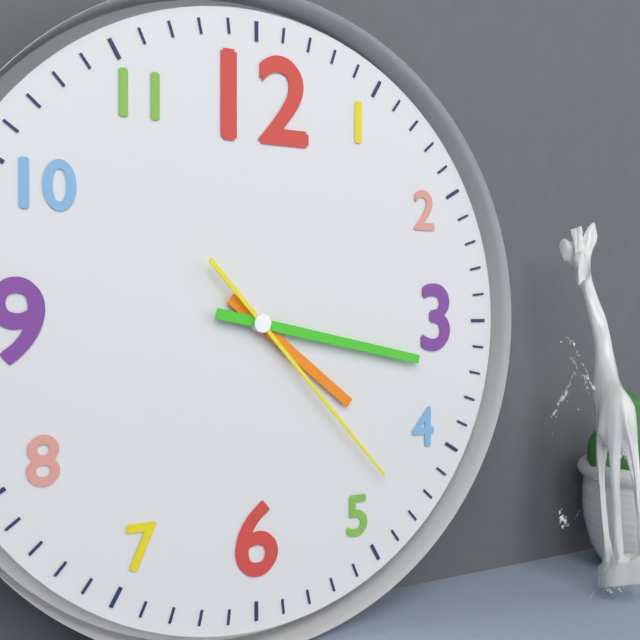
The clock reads 4 h 17 min 23 s
